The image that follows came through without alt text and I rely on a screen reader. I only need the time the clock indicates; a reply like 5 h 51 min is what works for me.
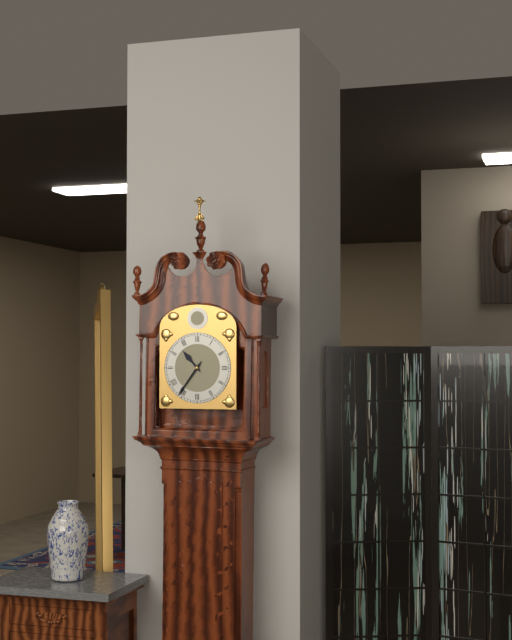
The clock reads 10 h 36 min
